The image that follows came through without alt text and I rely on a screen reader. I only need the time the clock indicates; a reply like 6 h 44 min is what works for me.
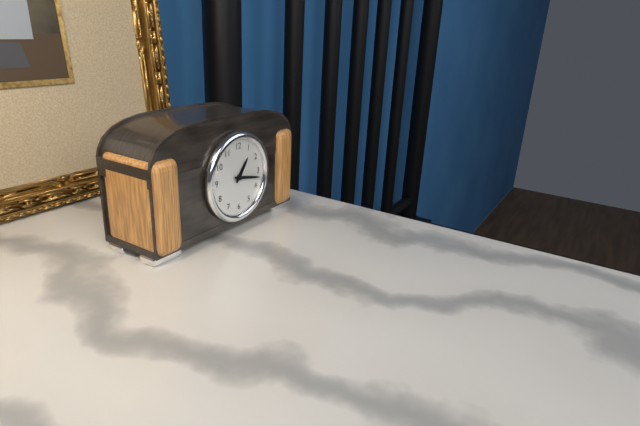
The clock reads 1 h 17 min
